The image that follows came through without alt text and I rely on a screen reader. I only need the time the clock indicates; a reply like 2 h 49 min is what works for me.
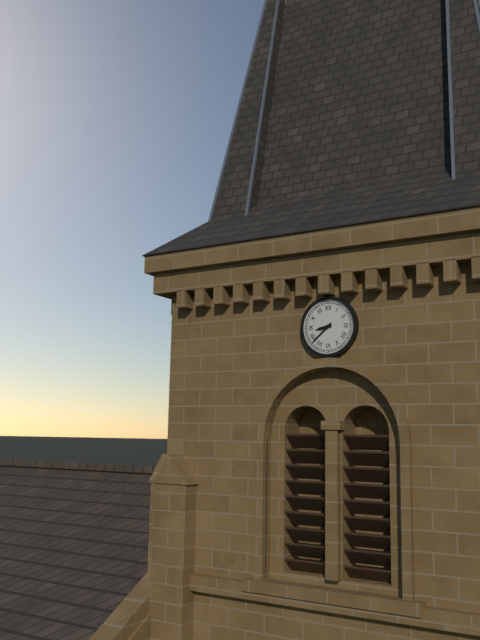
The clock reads 8 h 38 min
